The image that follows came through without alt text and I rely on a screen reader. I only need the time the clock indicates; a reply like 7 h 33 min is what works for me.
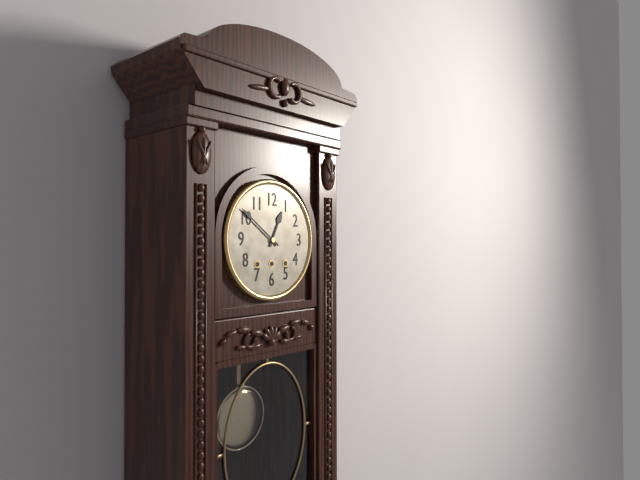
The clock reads 12 h 51 min
